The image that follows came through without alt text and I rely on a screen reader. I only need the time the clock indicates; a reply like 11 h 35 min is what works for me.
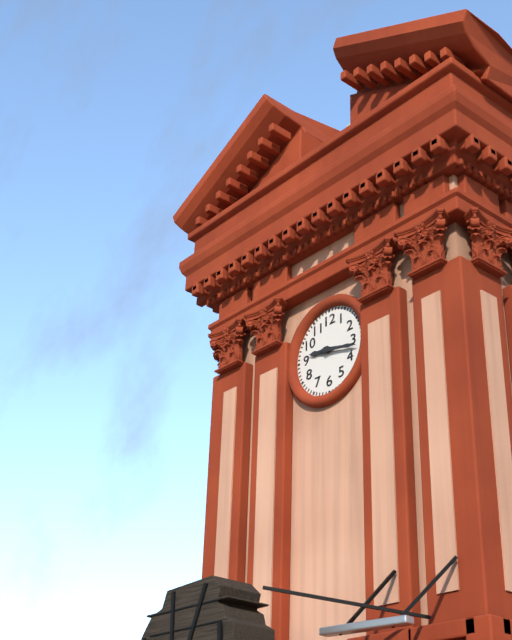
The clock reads 9 h 17 min
